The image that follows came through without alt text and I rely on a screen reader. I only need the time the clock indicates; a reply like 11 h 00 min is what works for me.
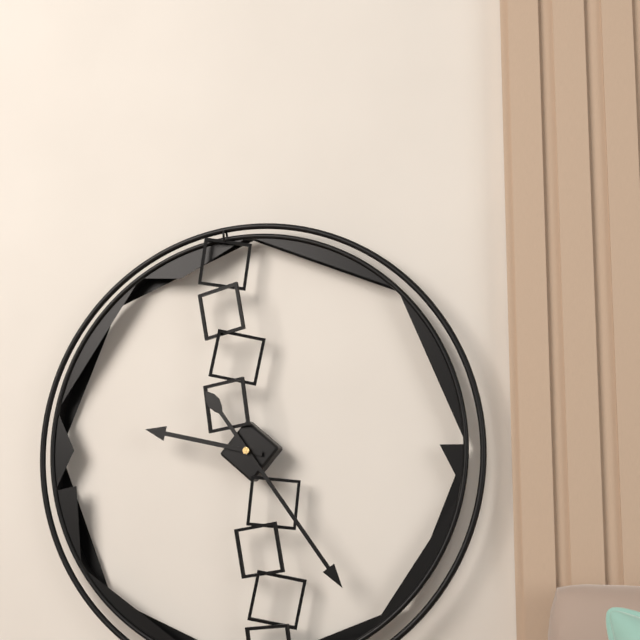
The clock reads 9 h 24 min
